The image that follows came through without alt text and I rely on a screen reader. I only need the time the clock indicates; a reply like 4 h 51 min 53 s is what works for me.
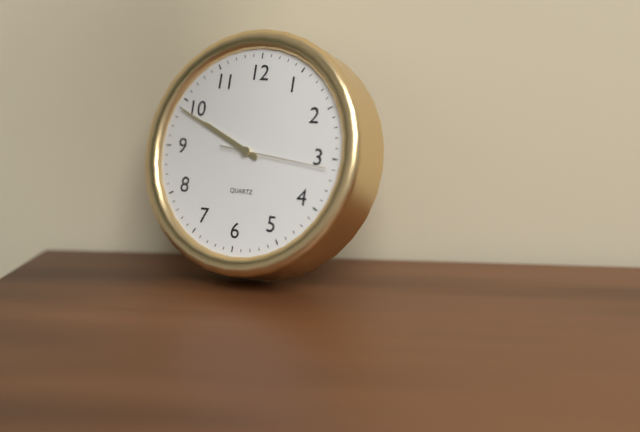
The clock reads 9 h 49 min 16 s
